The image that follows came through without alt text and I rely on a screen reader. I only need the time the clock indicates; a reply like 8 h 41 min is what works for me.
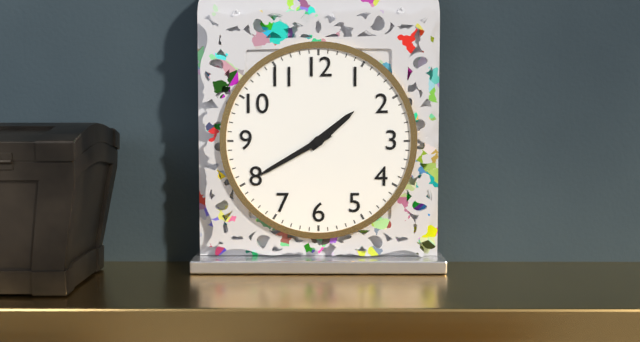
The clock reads 1 h 40 min
